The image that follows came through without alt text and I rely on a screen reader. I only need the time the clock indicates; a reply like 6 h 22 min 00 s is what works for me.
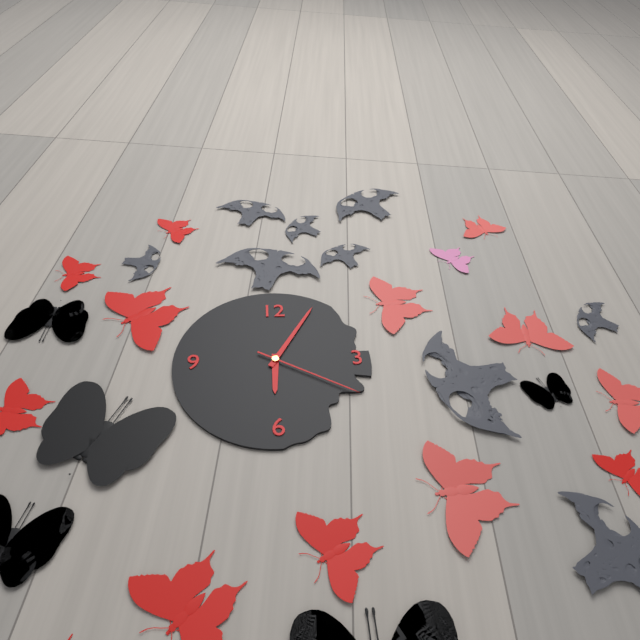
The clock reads 6 h 05 min 20 s
